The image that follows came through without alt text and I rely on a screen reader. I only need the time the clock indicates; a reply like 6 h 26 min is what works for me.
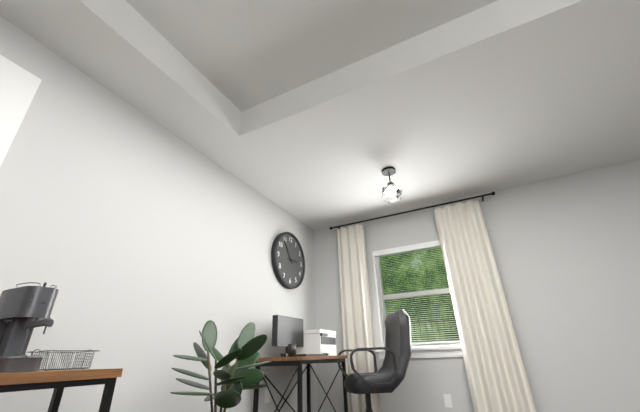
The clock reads 2 h 54 min
